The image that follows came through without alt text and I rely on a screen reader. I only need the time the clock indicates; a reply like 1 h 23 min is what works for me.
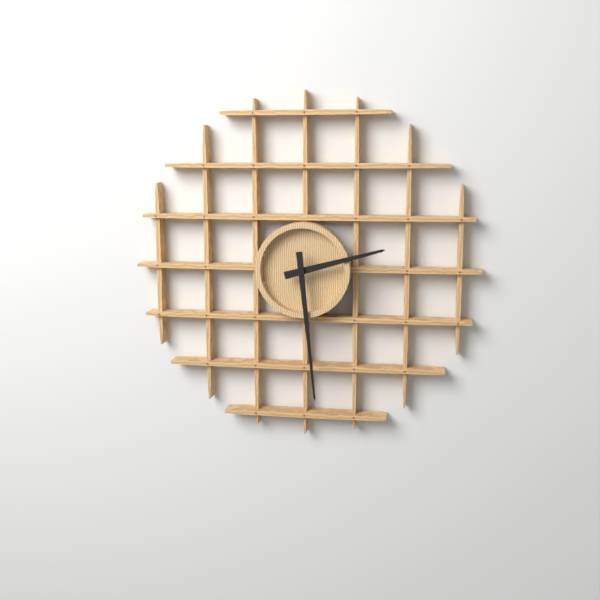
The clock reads 2 h 29 min
